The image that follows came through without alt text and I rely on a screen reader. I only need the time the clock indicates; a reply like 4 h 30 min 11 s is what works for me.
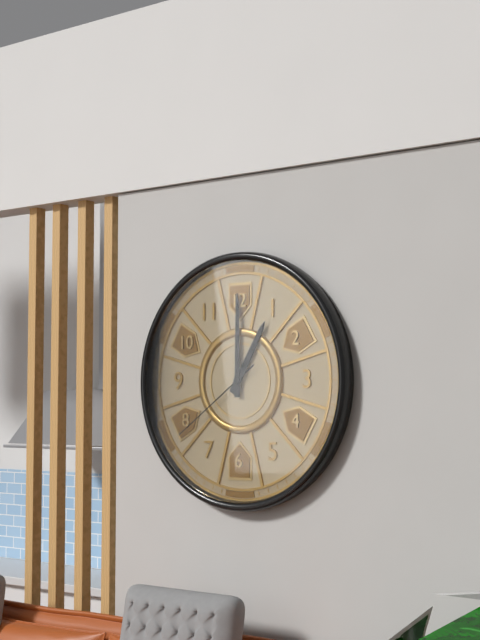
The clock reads 1 h 00 min 39 s
